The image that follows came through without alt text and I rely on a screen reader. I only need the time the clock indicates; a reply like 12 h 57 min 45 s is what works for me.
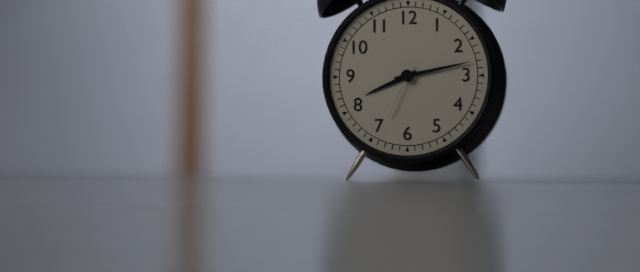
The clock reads 8 h 13 min 34 s
